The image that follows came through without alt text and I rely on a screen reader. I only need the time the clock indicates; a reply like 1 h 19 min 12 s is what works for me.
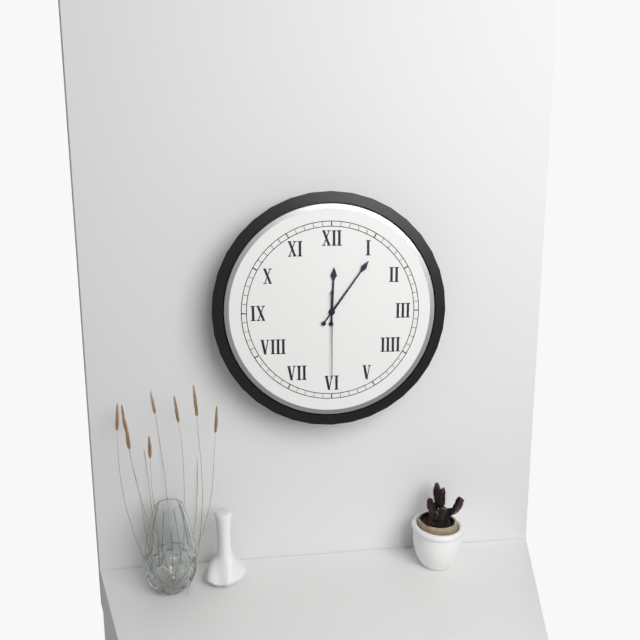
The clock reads 12 h 06 min 30 s
